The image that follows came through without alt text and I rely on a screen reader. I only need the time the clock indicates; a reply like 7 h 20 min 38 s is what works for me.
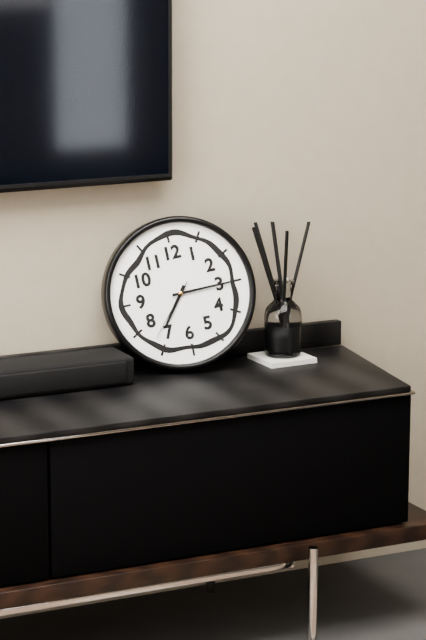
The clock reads 7 h 15 min 37 s
